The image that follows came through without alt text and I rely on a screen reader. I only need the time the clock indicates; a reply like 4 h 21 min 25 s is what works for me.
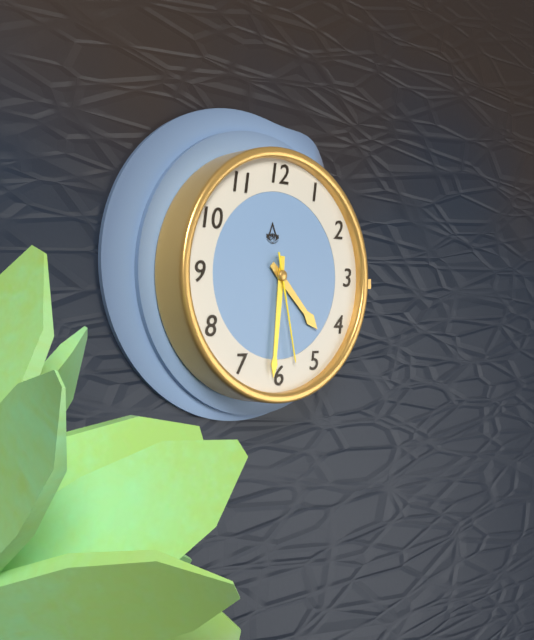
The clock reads 4 h 31 min 28 s
